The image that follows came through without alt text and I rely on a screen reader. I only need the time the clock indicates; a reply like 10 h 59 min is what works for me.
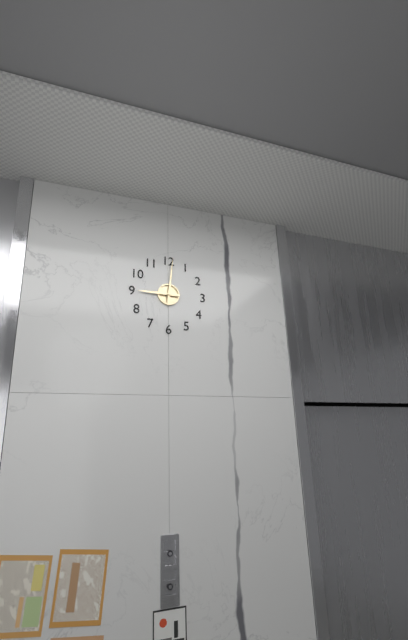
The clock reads 9 h 01 min
